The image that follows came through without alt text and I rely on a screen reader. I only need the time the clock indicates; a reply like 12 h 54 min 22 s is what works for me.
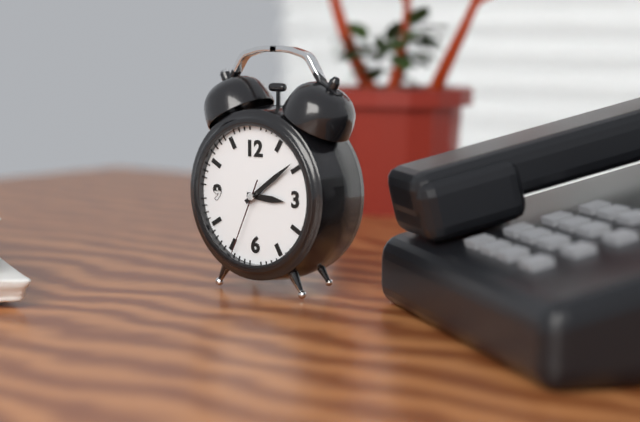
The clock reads 3 h 09 min 34 s
